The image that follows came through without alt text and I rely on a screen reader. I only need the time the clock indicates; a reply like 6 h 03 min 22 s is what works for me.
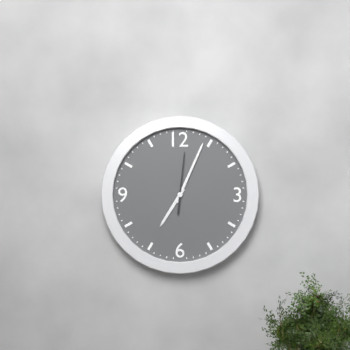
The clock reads 7 h 04 min 01 s
